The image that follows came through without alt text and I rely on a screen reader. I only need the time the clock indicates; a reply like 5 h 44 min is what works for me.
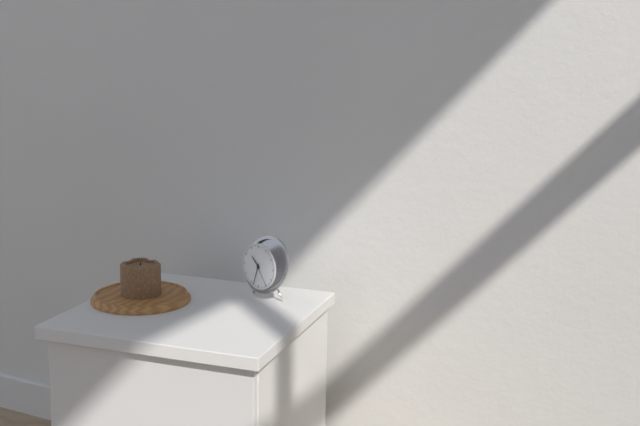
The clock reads 10 h 33 min
